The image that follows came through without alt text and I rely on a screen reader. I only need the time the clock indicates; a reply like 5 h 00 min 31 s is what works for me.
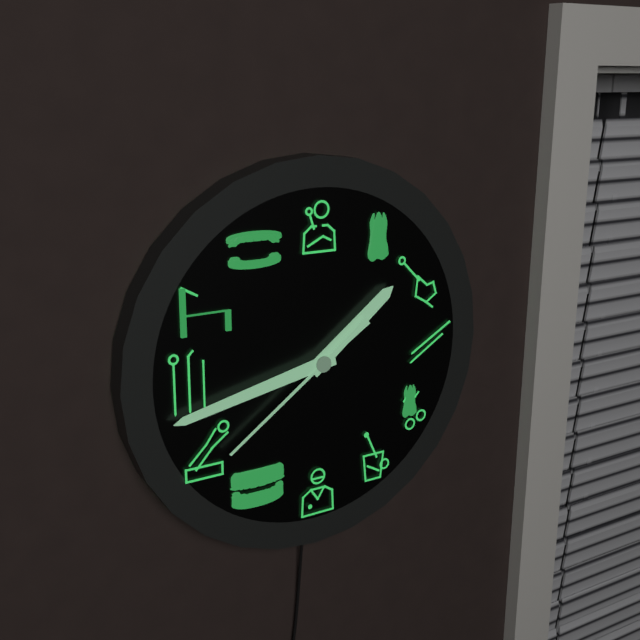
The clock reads 1 h 43 min 39 s
